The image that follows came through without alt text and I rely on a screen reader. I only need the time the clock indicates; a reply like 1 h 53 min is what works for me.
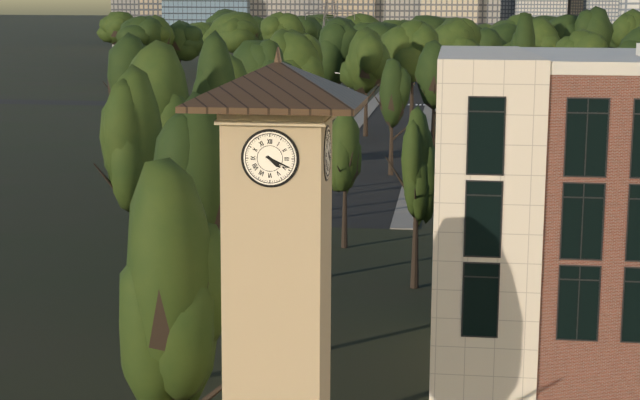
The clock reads 4 h 19 min
